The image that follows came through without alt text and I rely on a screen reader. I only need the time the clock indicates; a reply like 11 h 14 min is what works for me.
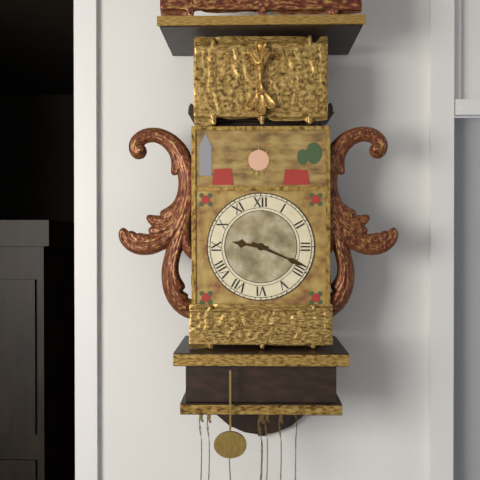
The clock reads 9 h 19 min
